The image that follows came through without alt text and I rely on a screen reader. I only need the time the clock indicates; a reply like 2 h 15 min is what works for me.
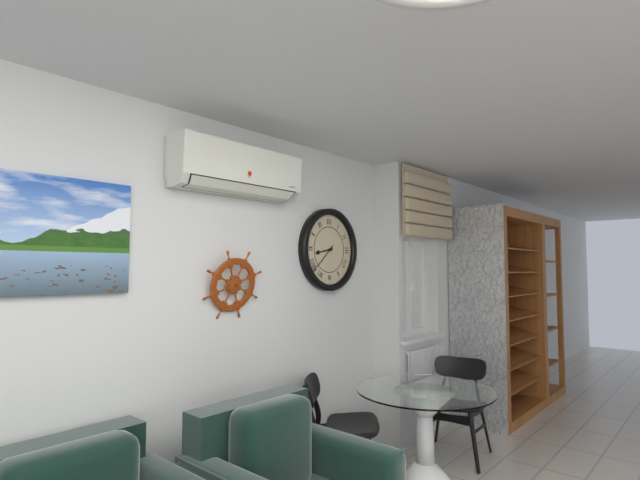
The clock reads 8 h 38 min
